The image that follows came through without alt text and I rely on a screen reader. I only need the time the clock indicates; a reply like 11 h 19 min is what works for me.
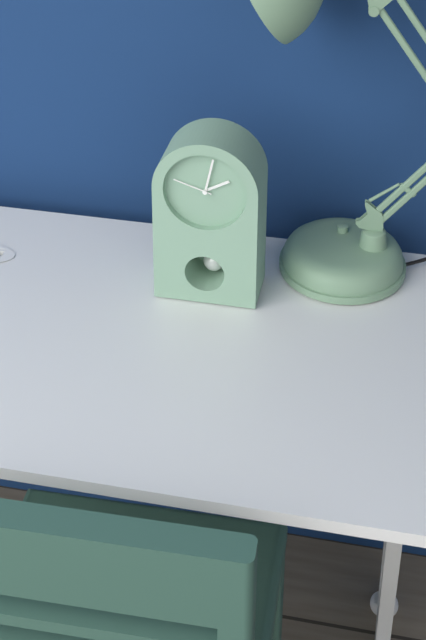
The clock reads 2 h 02 min
